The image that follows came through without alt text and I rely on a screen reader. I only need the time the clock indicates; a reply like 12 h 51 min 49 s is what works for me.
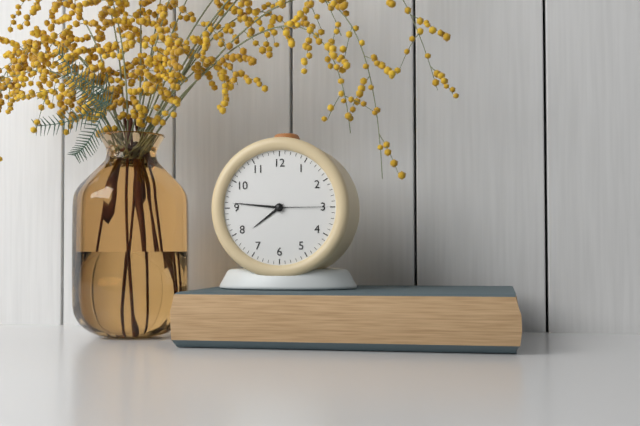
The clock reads 7 h 46 min 15 s
